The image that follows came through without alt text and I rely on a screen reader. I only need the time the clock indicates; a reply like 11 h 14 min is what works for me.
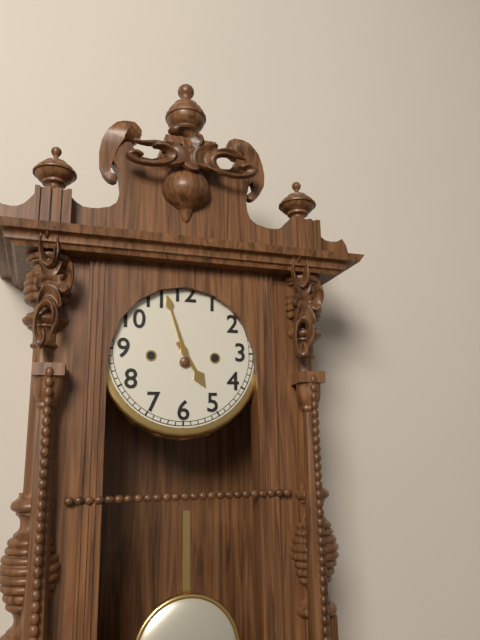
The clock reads 4 h 57 min
